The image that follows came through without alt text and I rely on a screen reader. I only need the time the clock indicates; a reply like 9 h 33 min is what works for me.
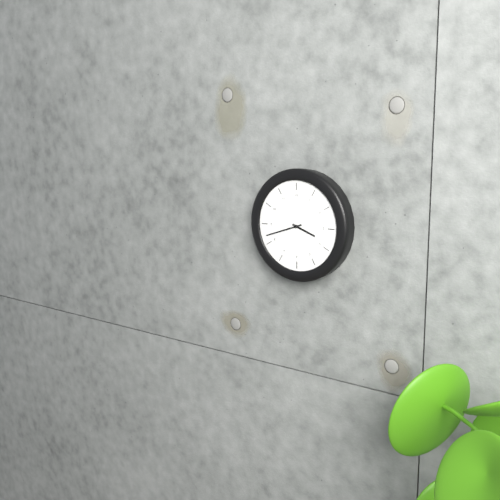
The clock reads 3 h 42 min
